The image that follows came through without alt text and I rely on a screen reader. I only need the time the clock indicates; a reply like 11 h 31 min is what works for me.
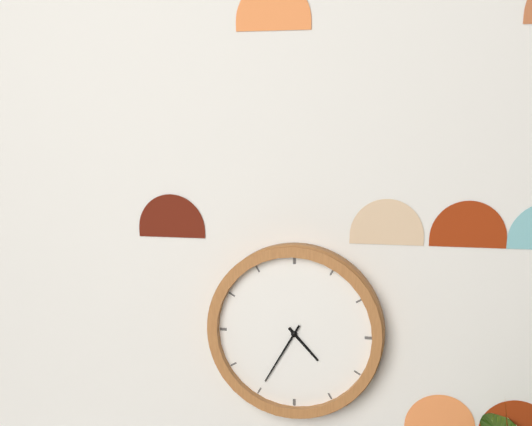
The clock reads 4 h 35 min
